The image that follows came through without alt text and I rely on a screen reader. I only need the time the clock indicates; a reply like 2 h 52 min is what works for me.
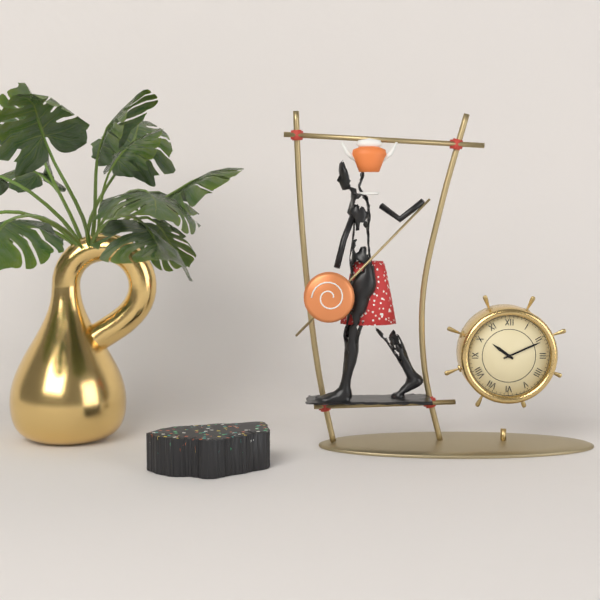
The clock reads 10 h 11 min
